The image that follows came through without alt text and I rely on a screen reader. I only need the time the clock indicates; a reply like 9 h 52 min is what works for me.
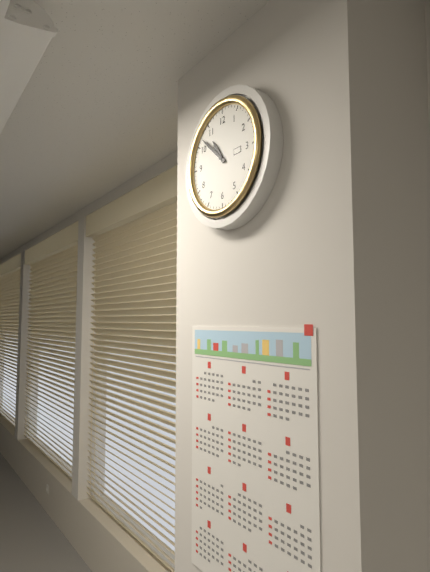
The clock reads 10 h 52 min
